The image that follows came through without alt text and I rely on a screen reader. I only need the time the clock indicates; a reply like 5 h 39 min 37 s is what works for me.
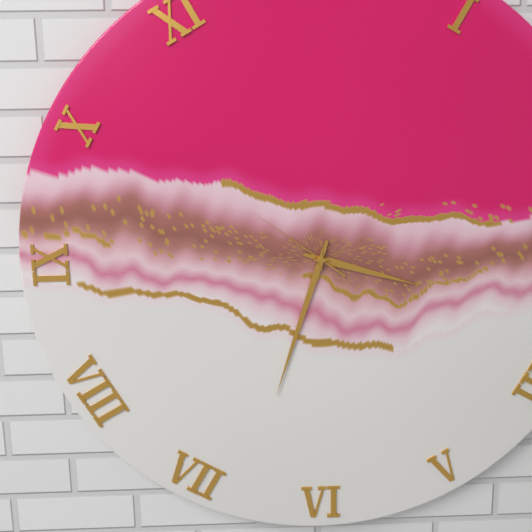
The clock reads 3 h 33 min 51 s
